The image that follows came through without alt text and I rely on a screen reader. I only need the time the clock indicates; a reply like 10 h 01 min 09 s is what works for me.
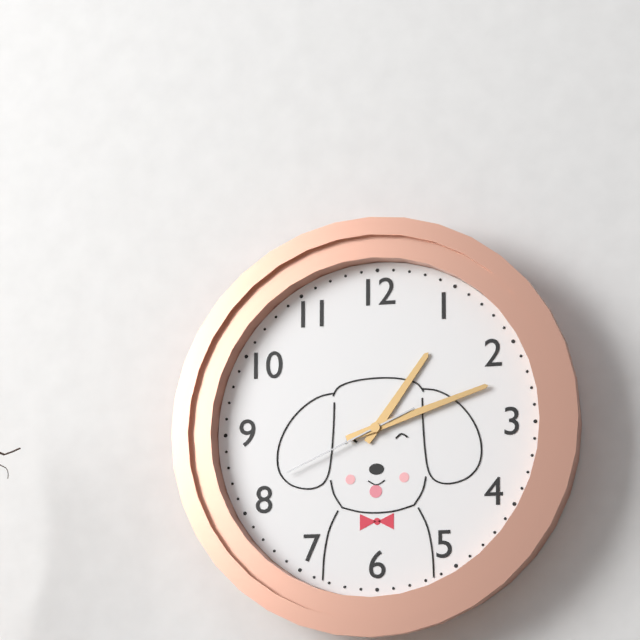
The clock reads 1 h 12 min 41 s
